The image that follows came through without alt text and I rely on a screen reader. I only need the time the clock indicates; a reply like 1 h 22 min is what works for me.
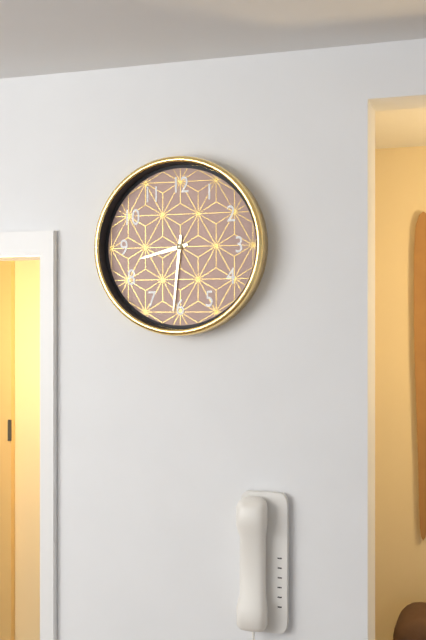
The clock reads 8 h 31 min
